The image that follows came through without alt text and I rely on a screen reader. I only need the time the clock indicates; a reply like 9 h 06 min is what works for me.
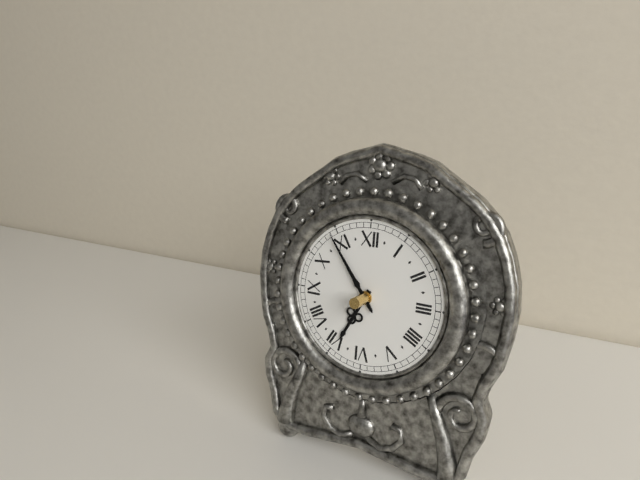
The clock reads 6 h 54 min
